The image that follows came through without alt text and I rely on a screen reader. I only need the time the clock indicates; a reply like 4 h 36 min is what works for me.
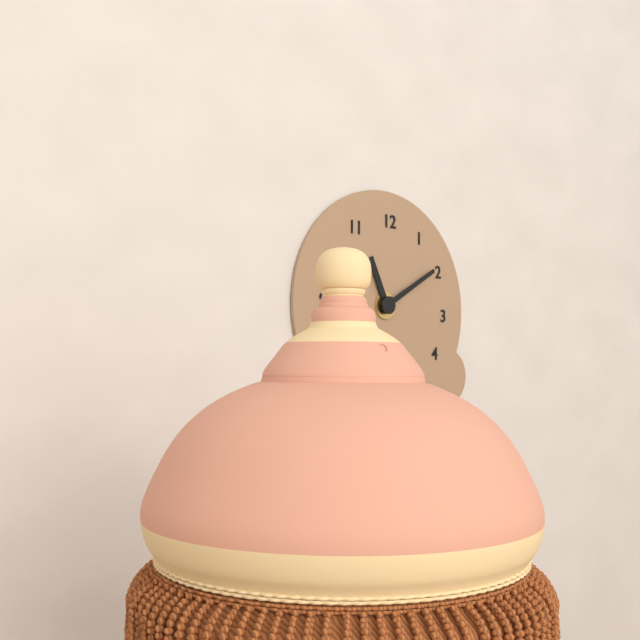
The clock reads 11 h 10 min
